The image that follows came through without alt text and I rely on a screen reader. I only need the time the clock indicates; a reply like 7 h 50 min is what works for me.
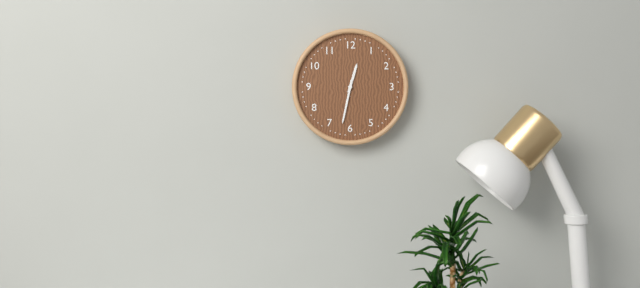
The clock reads 12 h 32 min
